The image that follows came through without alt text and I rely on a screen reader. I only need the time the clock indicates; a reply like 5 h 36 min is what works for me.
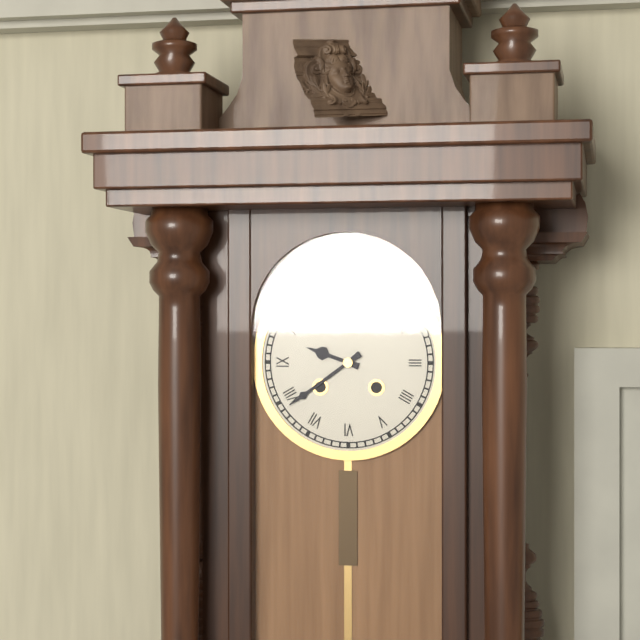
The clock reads 9 h 39 min
